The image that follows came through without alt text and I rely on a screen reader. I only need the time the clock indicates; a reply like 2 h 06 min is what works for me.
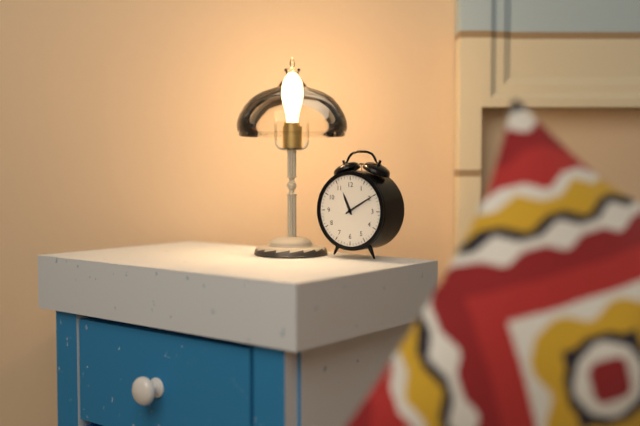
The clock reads 11 h 10 min
